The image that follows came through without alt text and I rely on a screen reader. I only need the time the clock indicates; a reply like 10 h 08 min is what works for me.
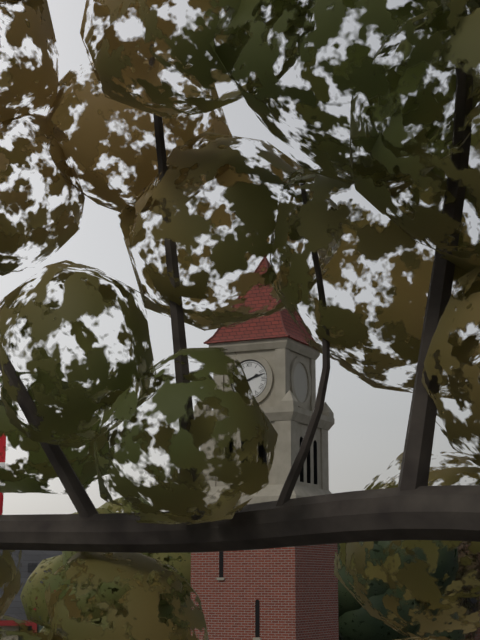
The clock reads 2 h 12 min
